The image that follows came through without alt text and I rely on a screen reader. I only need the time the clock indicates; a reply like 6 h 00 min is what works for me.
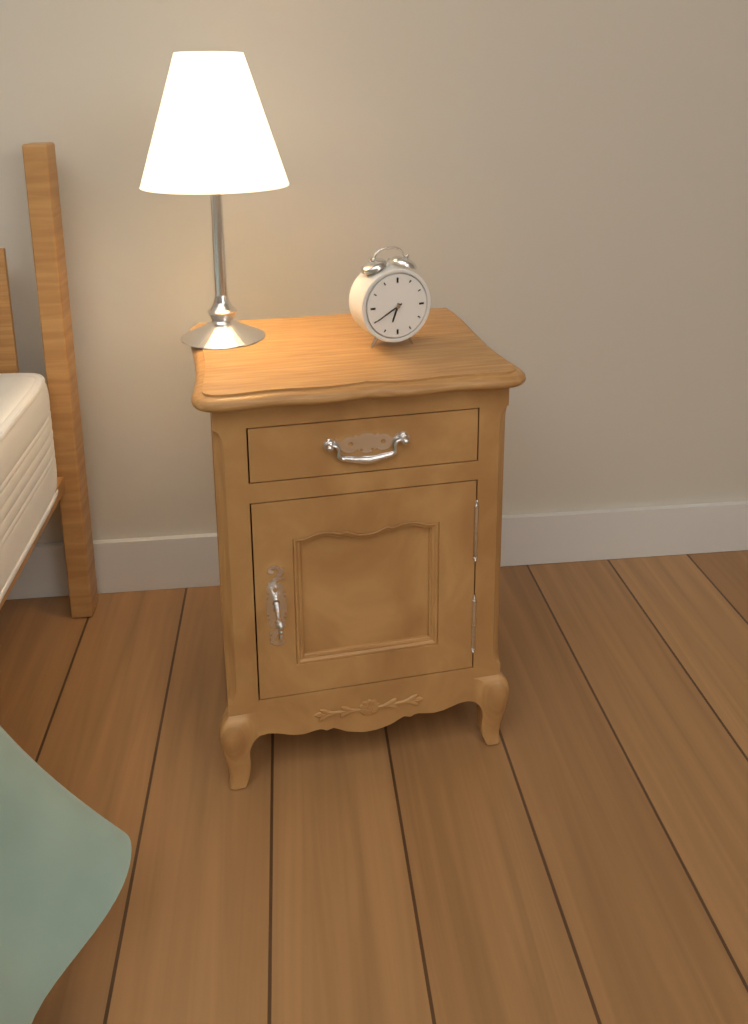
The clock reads 6 h 40 min
